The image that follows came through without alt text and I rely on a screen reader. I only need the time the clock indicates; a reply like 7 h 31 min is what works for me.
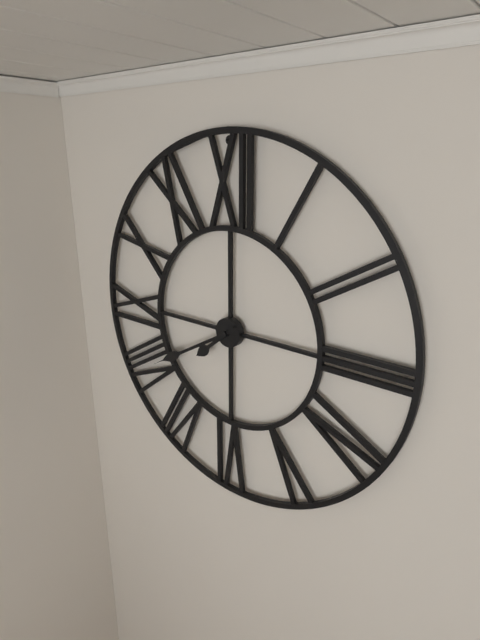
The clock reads 7 h 40 min
